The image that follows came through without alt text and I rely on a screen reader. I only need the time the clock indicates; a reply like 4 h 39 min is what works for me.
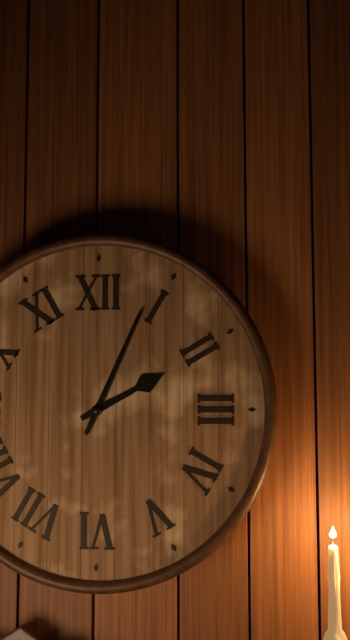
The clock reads 2 h 04 min
